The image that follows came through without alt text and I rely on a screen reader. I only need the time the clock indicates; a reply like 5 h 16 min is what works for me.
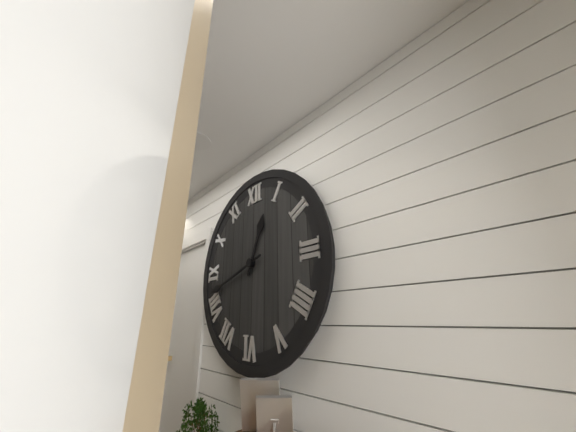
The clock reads 12 h 42 min
